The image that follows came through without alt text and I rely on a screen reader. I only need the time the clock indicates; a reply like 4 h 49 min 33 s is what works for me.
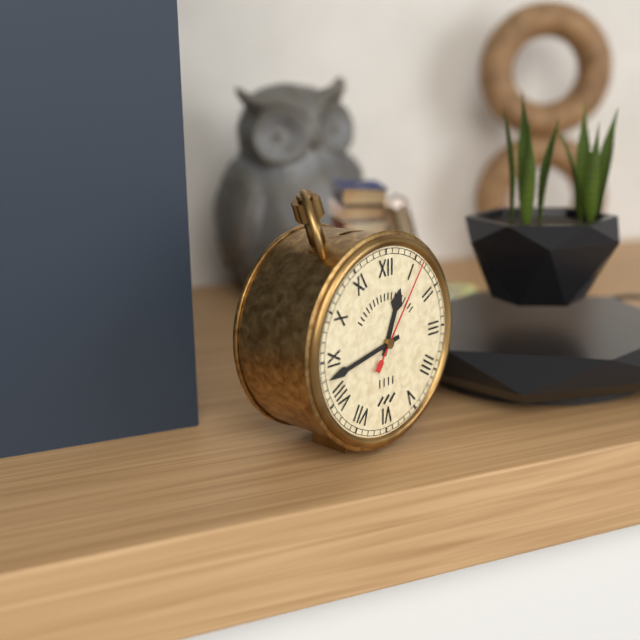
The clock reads 12 h 43 min 06 s
